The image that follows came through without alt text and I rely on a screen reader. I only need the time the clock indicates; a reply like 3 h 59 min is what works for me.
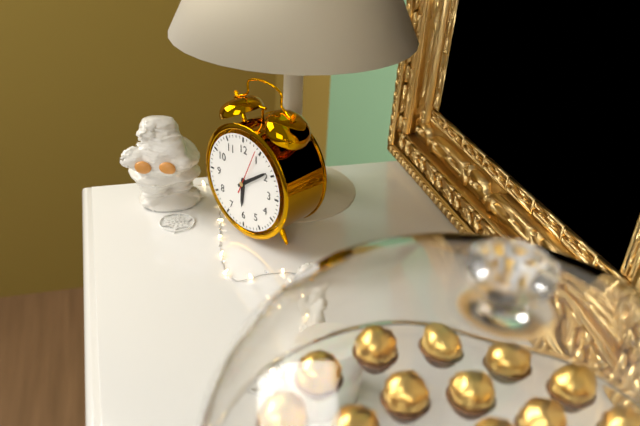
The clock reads 6 h 09 min
